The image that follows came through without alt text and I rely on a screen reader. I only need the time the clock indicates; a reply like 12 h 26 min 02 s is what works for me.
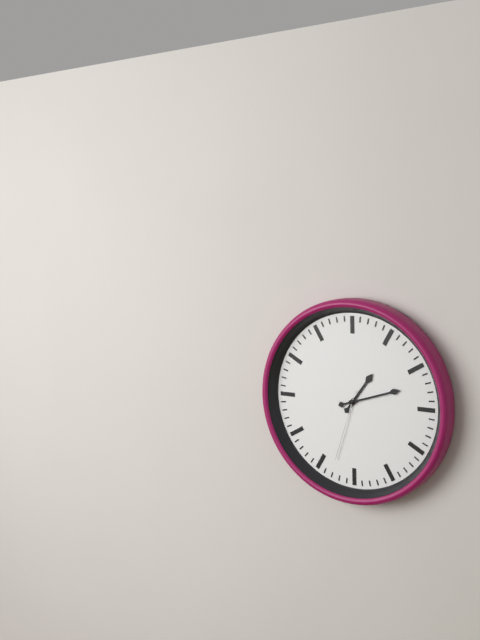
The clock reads 1 h 12 min 33 s
